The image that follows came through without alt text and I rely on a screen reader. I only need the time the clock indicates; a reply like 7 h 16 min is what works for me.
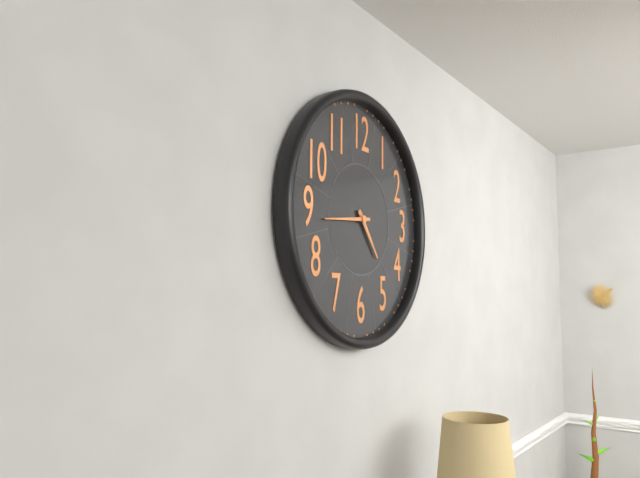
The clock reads 4 h 44 min
